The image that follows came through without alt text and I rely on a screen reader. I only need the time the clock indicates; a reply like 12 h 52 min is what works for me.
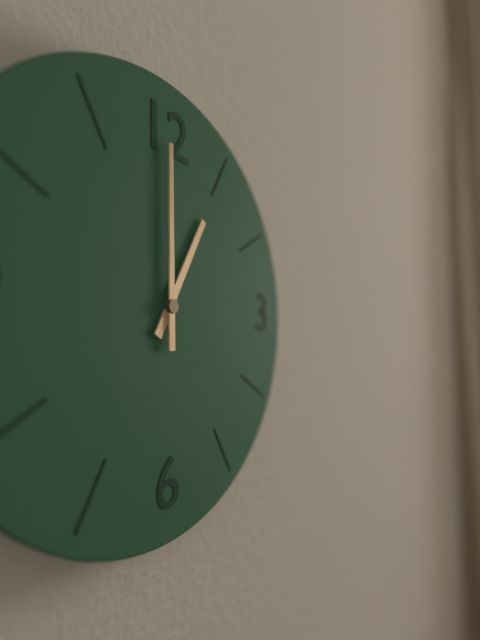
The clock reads 1 h 00 min
